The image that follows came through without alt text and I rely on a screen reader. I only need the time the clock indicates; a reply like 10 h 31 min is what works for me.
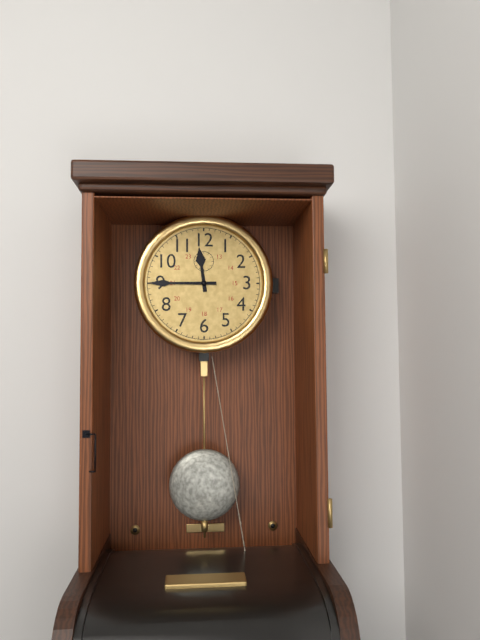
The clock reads 11 h 45 min
